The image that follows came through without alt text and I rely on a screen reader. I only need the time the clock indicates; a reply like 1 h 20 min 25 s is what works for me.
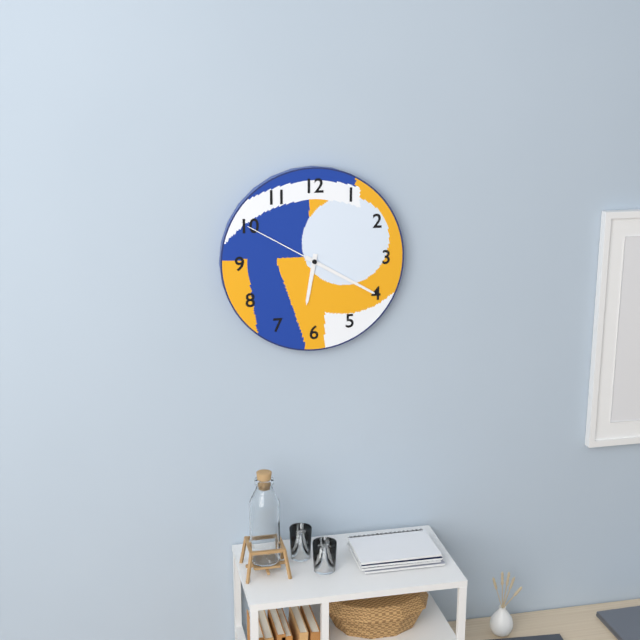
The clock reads 6 h 20 min 50 s
